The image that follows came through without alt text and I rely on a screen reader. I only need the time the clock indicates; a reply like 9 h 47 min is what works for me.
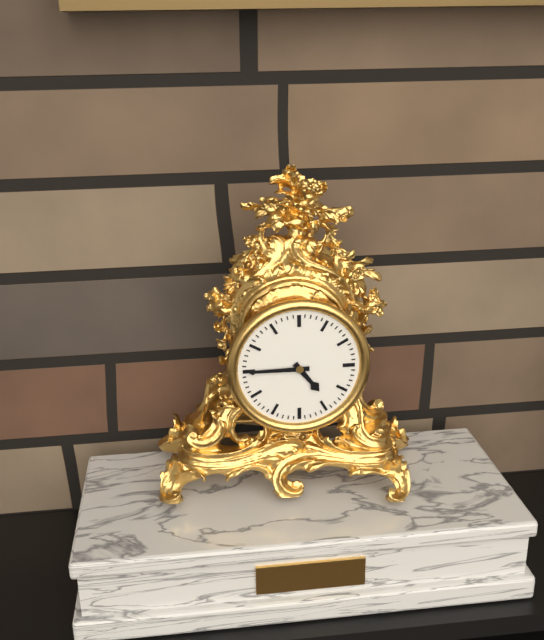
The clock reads 4 h 45 min
